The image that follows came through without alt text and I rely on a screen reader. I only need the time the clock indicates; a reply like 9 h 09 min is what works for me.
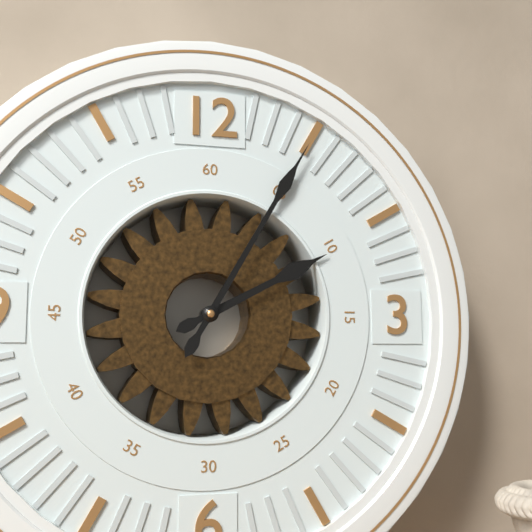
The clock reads 2 h 05 min
